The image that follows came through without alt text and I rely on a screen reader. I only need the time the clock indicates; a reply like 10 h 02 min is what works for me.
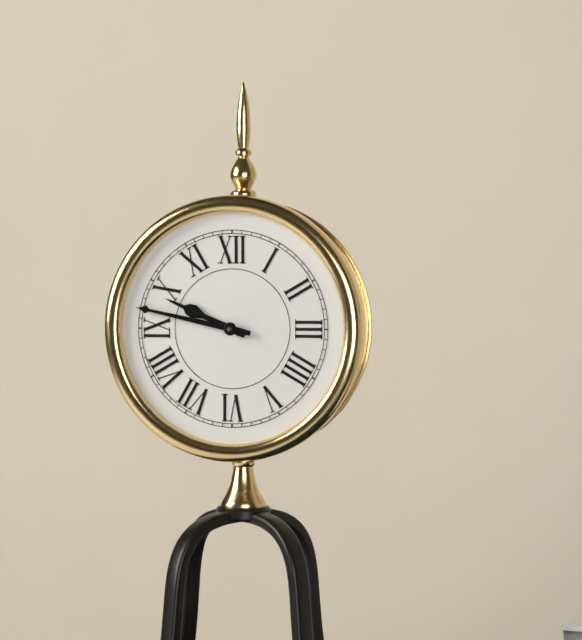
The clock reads 9 h 47 min
